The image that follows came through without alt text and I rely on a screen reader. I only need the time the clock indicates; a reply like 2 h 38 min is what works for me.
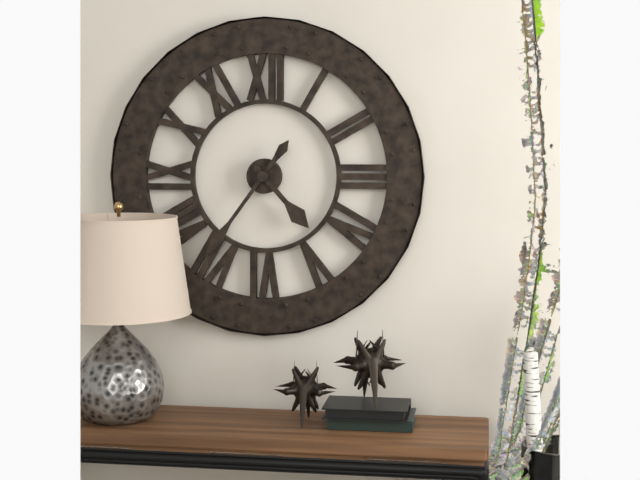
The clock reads 4 h 36 min
